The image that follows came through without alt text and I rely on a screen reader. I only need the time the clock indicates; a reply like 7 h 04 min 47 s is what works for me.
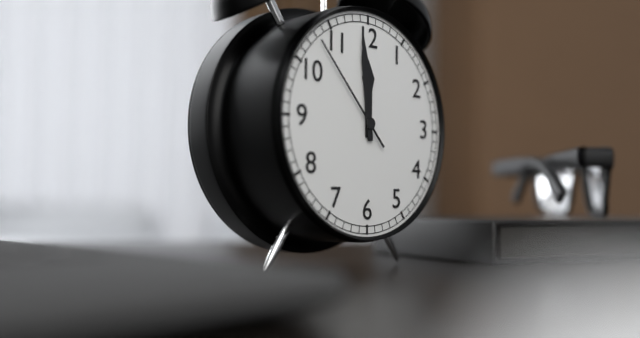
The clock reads 11 h 59 min 53 s
